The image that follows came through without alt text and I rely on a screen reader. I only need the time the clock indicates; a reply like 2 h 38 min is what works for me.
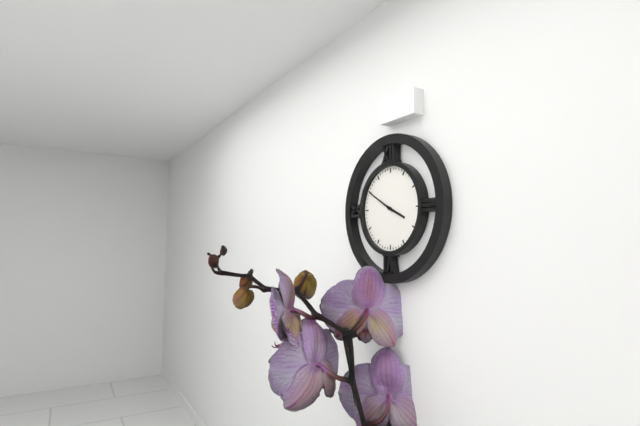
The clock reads 3 h 50 min
